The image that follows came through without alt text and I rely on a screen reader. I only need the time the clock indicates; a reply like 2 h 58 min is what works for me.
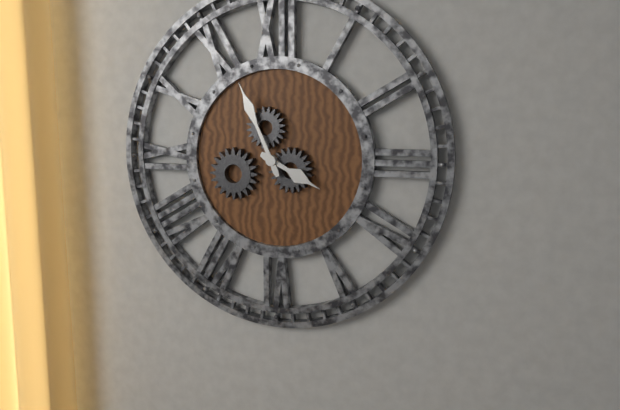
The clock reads 3 h 56 min
